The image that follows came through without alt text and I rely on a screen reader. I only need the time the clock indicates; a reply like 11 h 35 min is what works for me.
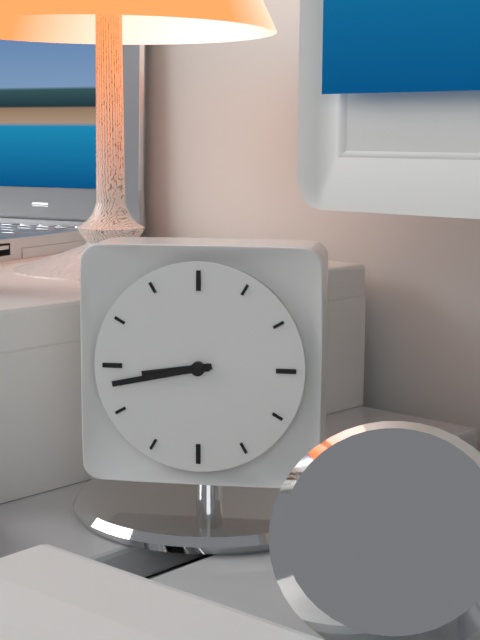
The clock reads 8 h 43 min
